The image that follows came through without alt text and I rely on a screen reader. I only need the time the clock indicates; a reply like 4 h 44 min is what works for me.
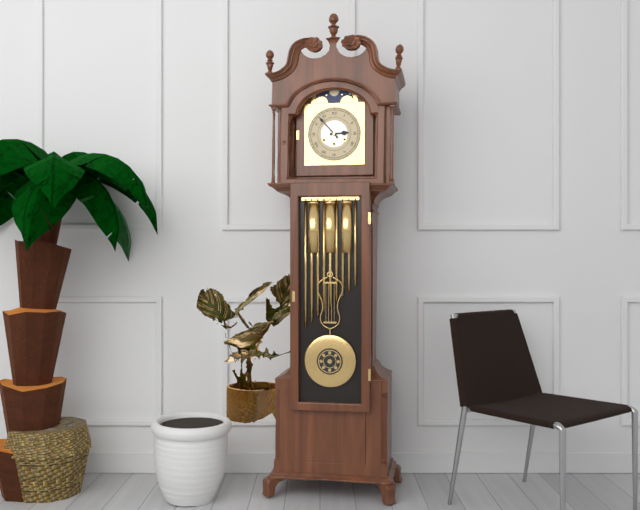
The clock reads 2 h 53 min
